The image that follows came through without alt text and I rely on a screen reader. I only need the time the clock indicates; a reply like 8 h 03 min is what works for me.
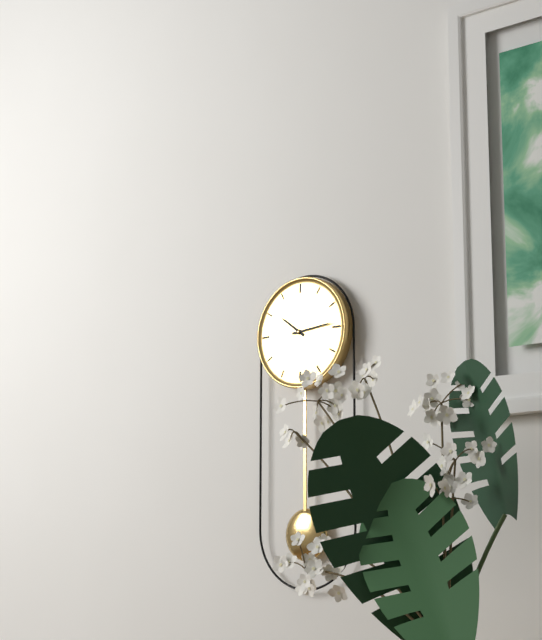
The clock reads 10 h 14 min
